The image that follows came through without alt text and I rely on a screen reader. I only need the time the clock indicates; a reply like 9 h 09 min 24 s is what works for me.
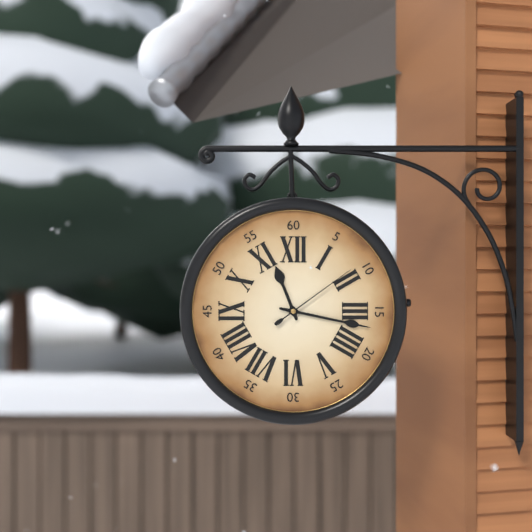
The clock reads 11 h 17 min 09 s
